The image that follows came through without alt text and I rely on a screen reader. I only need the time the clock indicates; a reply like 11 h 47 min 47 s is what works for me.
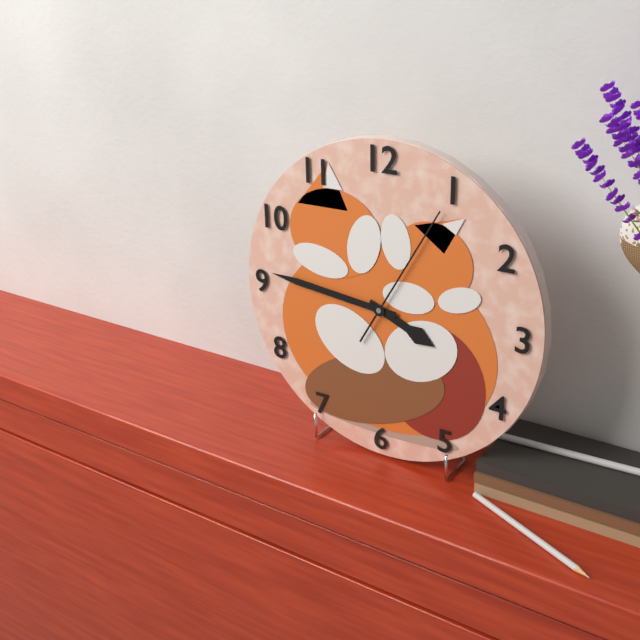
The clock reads 3 h 46 min 05 s
